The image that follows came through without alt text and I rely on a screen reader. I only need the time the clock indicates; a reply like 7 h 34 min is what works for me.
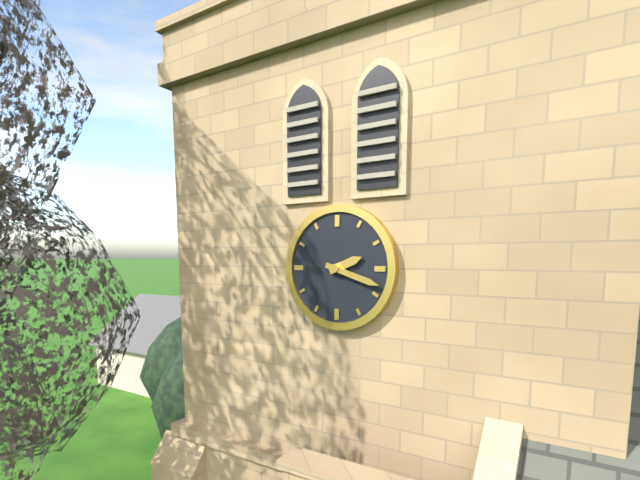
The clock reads 2 h 18 min
